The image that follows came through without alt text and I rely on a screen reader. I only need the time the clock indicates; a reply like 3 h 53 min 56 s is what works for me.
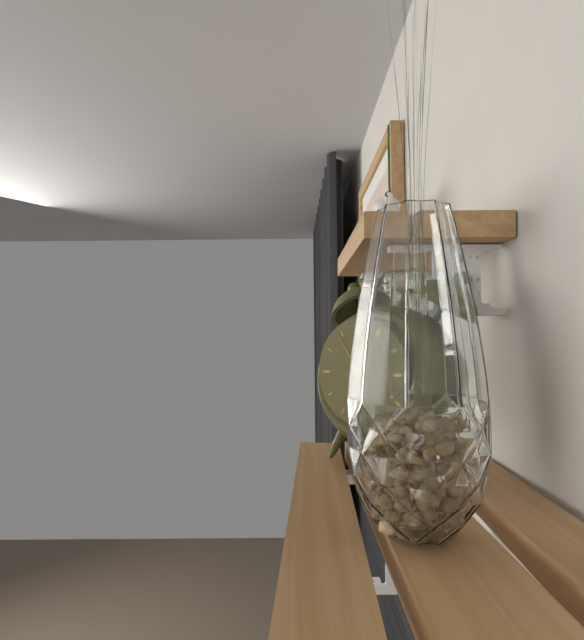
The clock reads 1 h 02 min 54 s
